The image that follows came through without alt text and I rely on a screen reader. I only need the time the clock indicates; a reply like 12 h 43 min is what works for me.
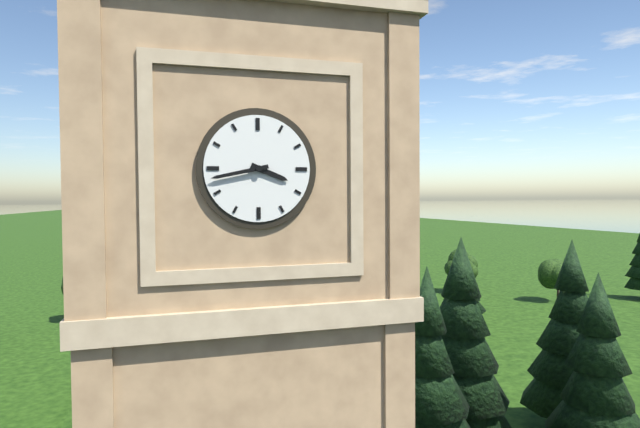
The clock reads 3 h 43 min
